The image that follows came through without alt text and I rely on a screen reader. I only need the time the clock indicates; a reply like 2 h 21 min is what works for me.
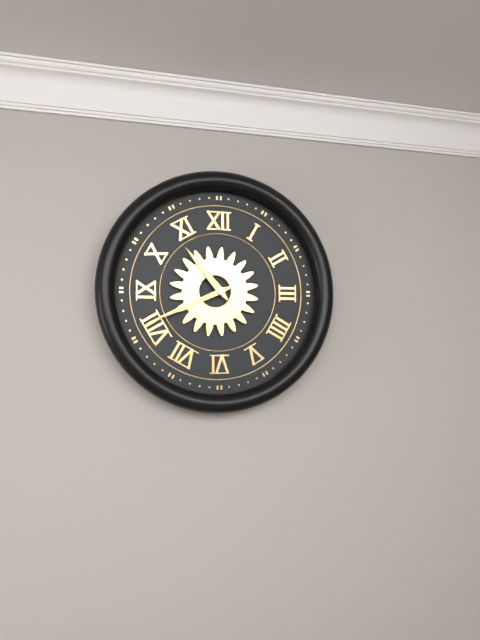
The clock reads 10 h 41 min
